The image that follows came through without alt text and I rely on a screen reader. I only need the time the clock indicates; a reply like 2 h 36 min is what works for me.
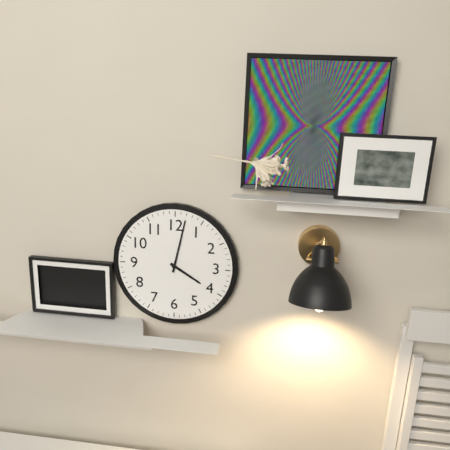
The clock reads 4 h 02 min
